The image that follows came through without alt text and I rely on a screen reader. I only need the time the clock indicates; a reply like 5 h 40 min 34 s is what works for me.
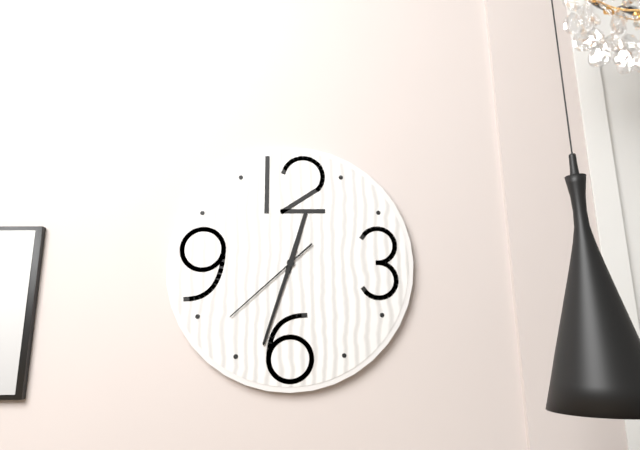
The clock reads 12 h 33 min 38 s
